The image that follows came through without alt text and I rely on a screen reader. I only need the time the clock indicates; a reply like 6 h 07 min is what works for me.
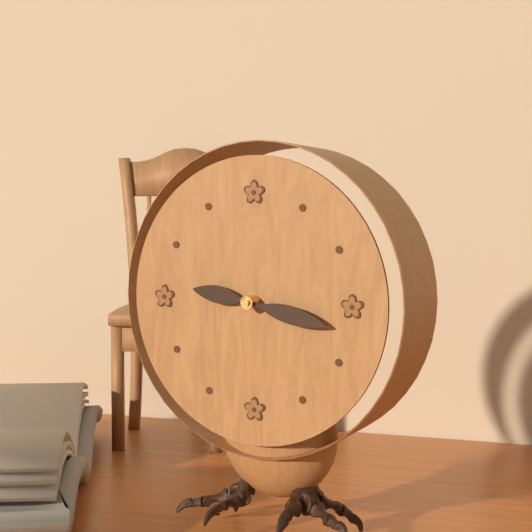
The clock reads 9 h 17 min
